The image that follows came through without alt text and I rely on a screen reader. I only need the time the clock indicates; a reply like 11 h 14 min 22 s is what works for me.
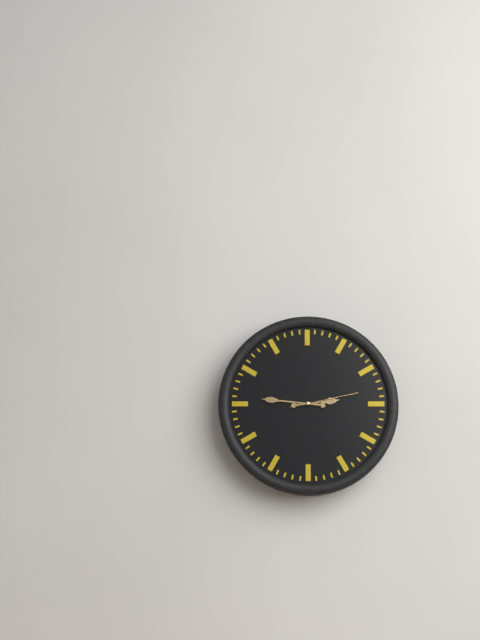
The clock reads 2 h 46 min 13 s
